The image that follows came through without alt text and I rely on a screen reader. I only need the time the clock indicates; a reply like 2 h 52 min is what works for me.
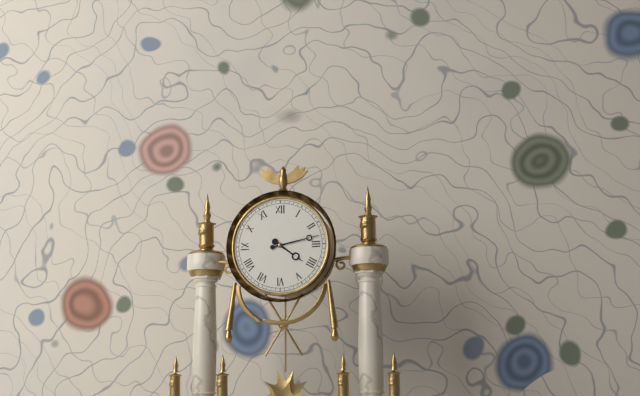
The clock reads 4 h 13 min
